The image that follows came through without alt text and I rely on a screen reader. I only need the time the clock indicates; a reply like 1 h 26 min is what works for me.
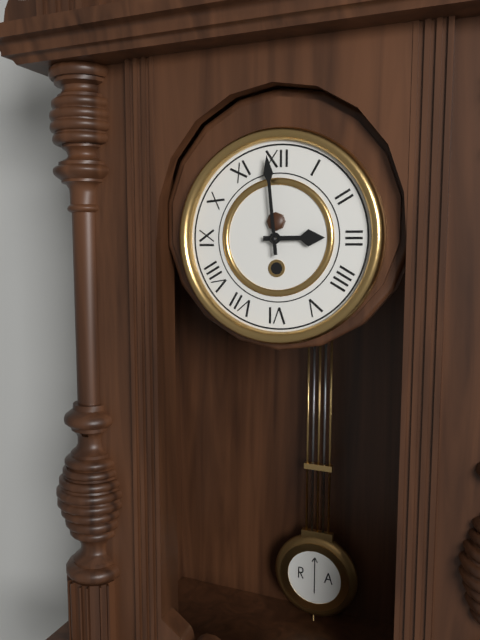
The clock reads 2 h 59 min
